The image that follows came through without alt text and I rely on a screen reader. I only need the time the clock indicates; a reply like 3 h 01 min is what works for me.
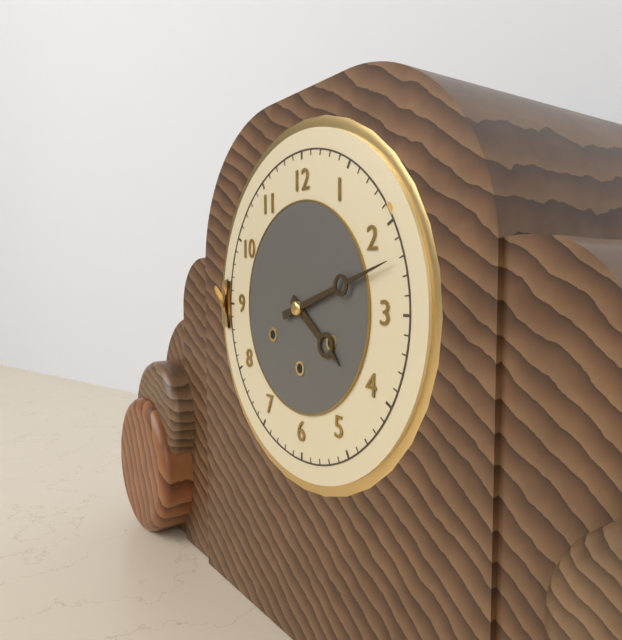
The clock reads 4 h 12 min
